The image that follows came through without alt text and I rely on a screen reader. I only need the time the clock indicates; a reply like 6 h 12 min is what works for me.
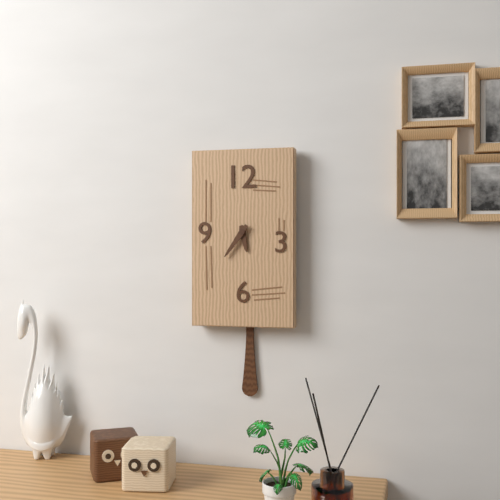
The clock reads 5 h 36 min
